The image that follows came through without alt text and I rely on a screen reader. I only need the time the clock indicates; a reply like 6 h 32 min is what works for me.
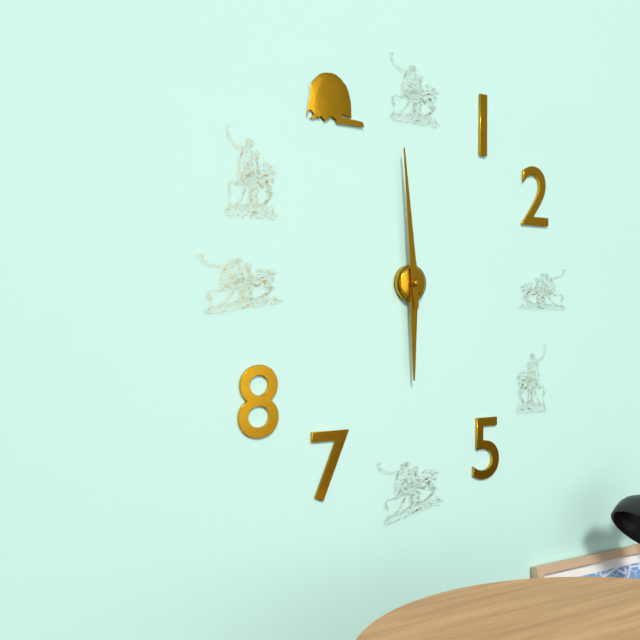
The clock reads 5 h 59 min
